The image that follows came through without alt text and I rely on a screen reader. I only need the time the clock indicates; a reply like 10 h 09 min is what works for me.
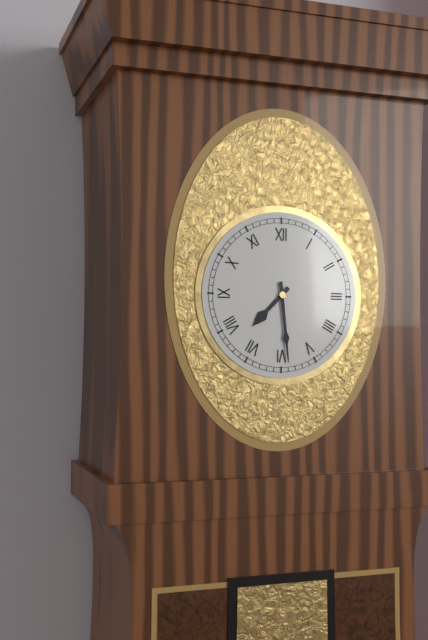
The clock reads 7 h 29 min
